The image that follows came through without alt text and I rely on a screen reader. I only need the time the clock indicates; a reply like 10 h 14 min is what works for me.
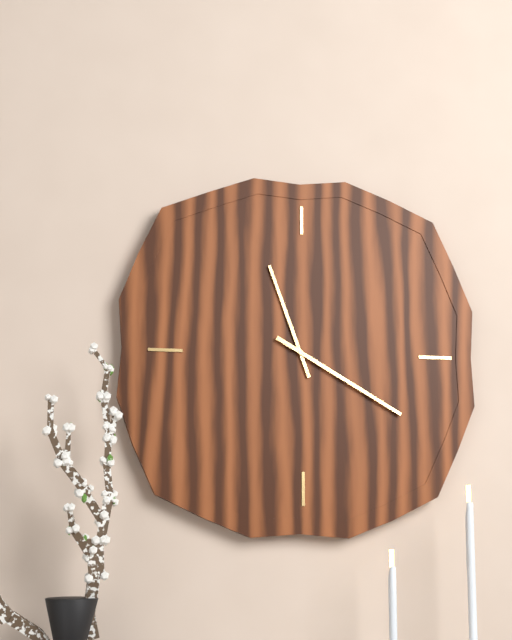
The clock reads 11 h 20 min
